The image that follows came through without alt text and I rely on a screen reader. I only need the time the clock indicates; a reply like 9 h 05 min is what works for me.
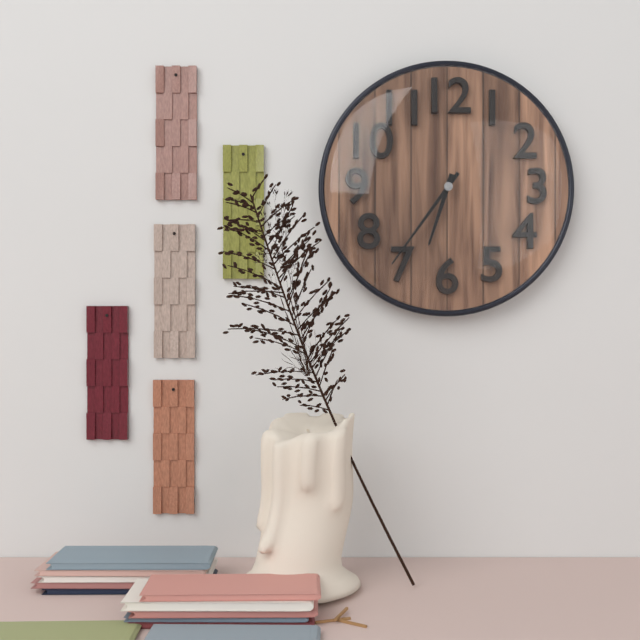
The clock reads 6 h 36 min
